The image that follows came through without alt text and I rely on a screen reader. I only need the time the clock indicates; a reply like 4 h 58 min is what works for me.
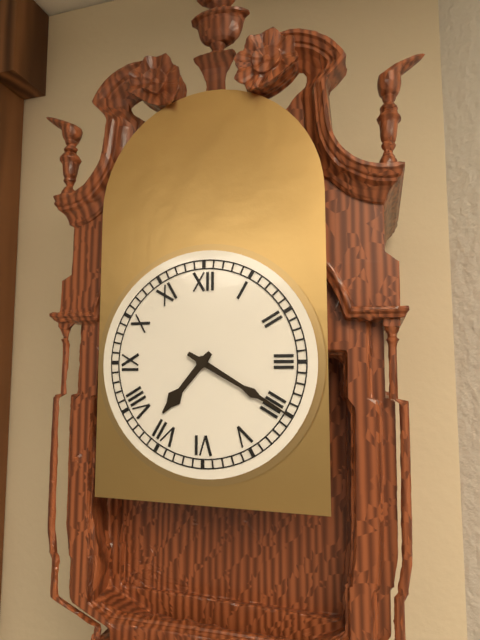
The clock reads 7 h 20 min
